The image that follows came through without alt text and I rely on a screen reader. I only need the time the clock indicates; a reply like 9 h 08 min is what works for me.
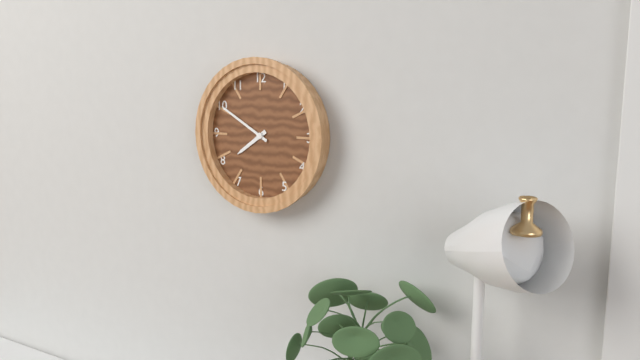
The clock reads 7 h 50 min
